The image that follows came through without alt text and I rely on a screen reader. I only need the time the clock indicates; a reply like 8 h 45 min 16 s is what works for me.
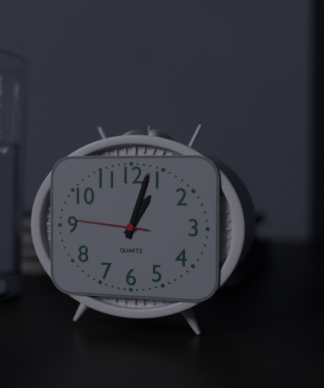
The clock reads 1 h 03 min 46 s
